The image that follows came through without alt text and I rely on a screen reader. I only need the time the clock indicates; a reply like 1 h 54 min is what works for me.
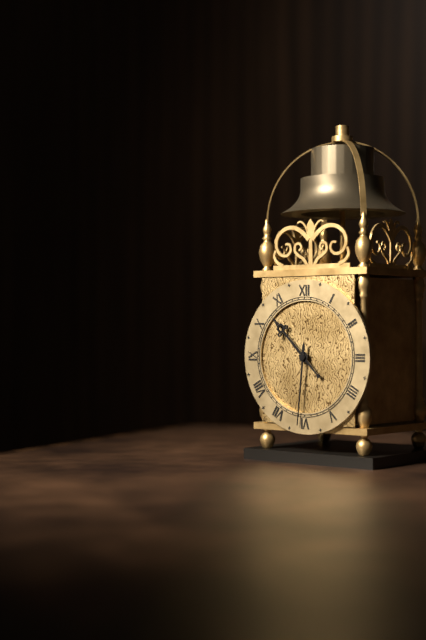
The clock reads 10 h 31 min
